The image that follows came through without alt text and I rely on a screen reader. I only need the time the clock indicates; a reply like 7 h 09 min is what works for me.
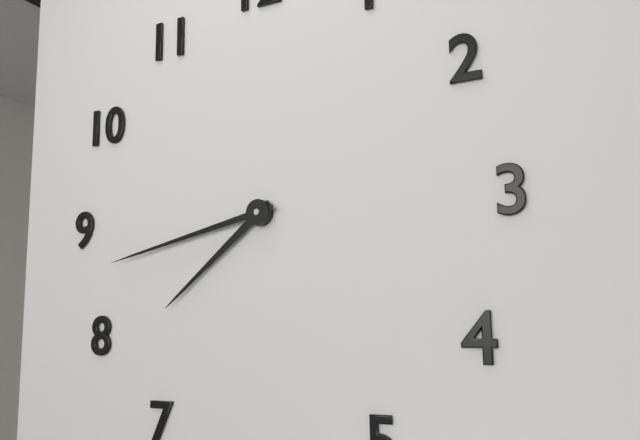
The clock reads 7 h 43 min
